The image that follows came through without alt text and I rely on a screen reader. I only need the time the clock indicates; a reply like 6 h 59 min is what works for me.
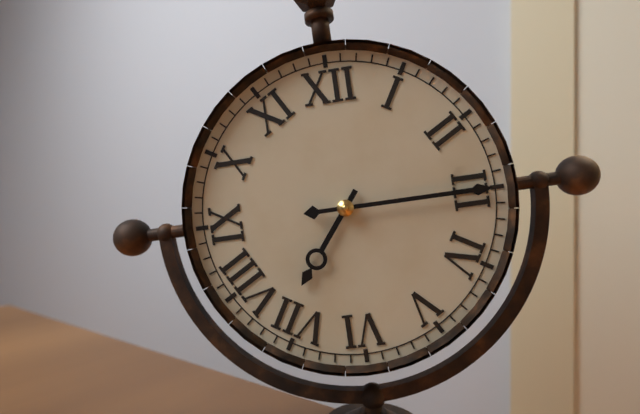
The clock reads 7 h 15 min
